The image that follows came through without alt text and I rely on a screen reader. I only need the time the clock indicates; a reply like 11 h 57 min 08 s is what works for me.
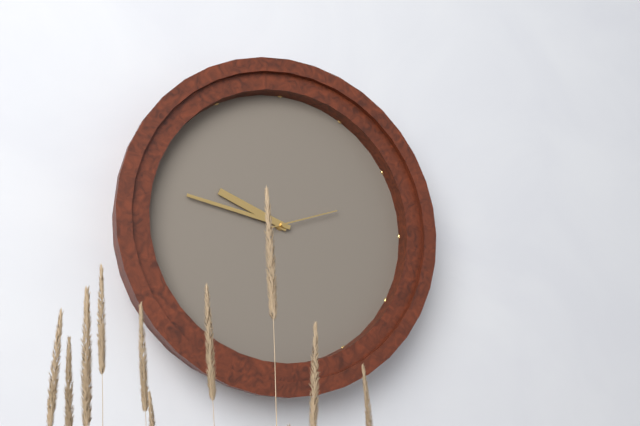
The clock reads 9 h 47 min 12 s
